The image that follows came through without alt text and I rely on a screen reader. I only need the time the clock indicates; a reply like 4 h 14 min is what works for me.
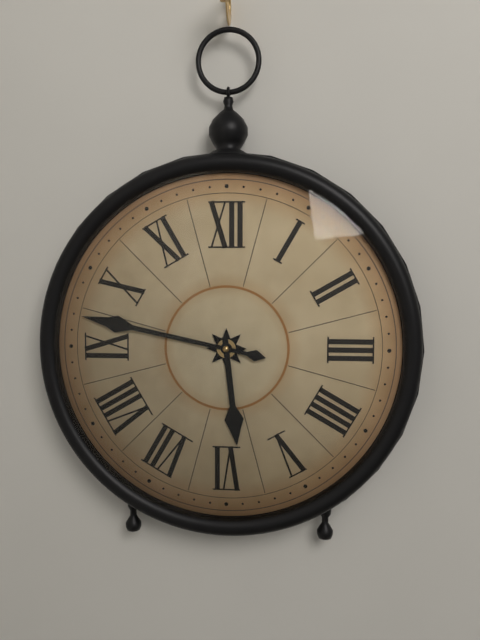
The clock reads 5 h 47 min
